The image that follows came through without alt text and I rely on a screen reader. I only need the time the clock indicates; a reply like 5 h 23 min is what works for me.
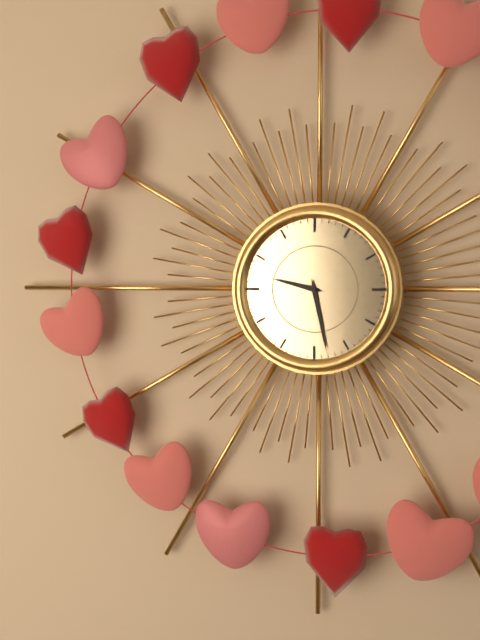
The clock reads 9 h 28 min
